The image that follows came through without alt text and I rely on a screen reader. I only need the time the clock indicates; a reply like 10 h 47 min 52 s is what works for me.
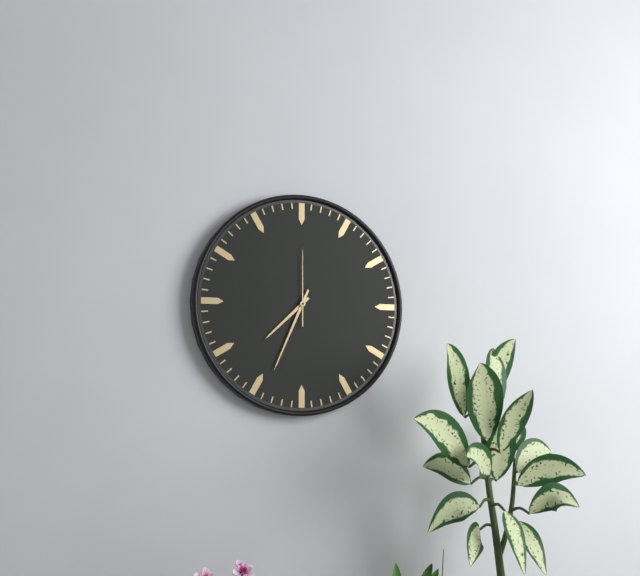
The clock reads 7 h 34 min 00 s
